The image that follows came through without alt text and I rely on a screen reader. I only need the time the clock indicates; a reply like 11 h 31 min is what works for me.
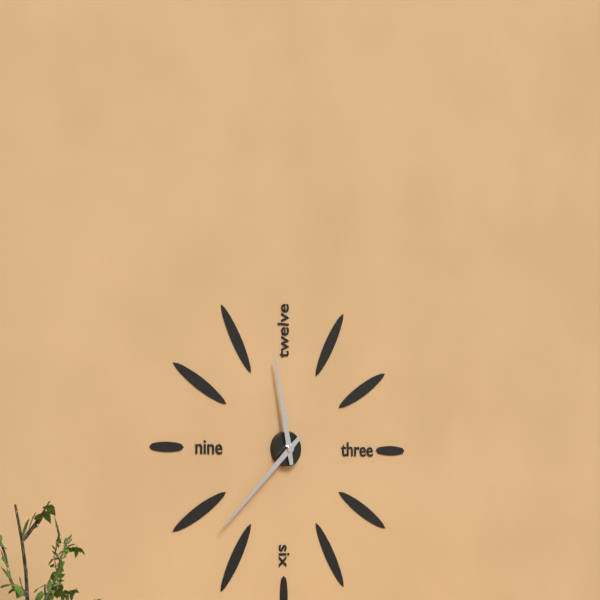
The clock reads 11 h 38 min
